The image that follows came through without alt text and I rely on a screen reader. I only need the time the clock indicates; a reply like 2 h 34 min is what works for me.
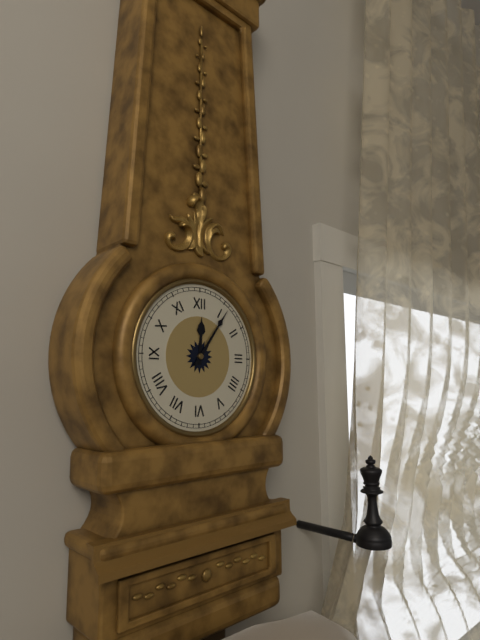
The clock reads 12 h 06 min
